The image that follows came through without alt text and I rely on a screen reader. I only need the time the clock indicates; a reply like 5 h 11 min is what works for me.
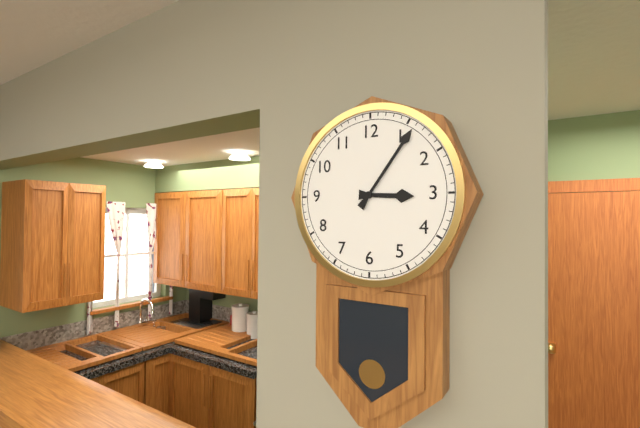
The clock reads 3 h 06 min
